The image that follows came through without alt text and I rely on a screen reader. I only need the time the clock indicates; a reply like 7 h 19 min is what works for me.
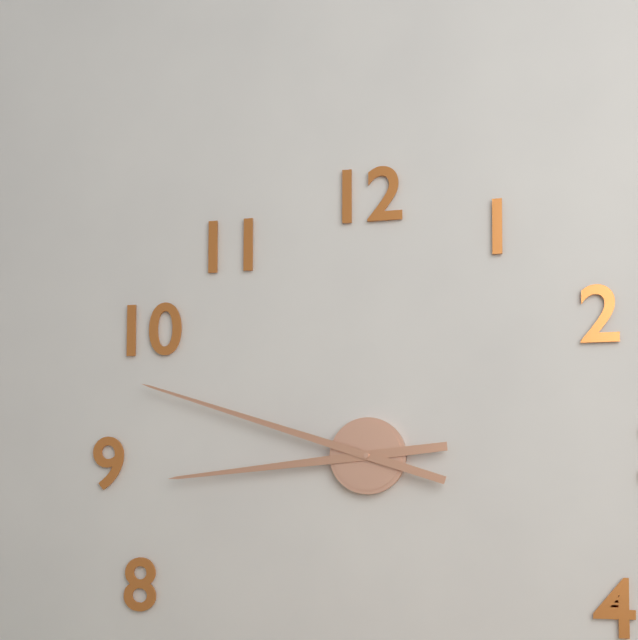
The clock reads 8 h 48 min
